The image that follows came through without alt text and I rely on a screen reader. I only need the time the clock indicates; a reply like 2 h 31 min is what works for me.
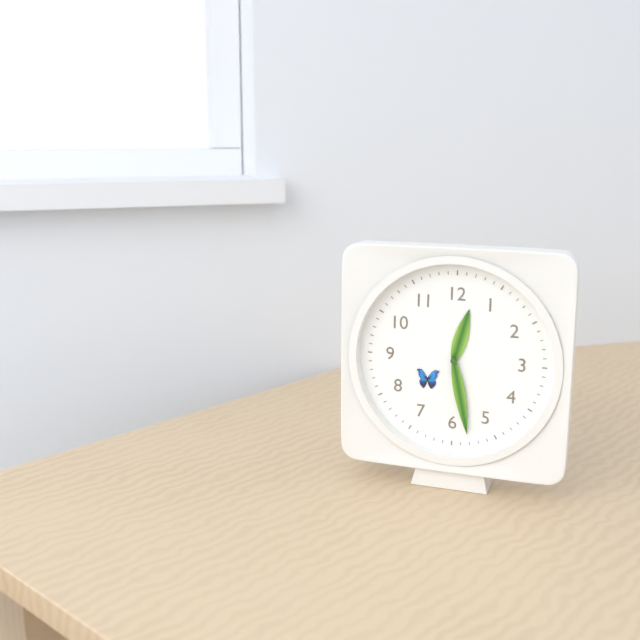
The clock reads 12 h 28 min
